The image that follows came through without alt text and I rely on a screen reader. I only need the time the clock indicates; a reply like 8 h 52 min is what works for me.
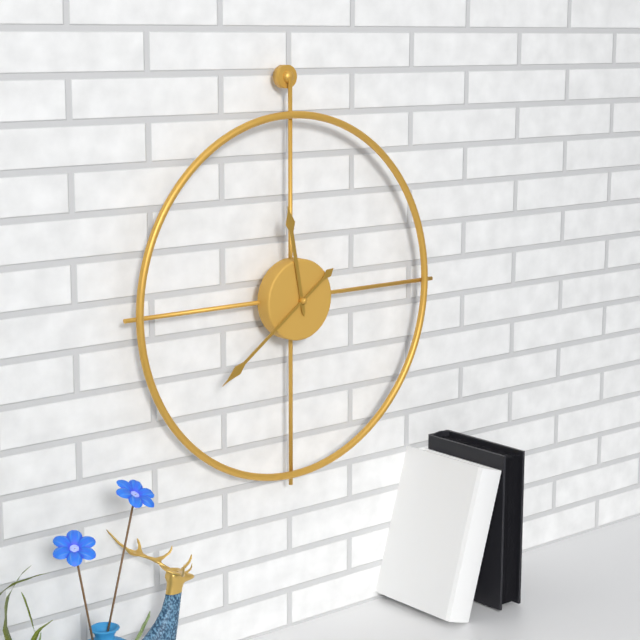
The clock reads 11 h 39 min
